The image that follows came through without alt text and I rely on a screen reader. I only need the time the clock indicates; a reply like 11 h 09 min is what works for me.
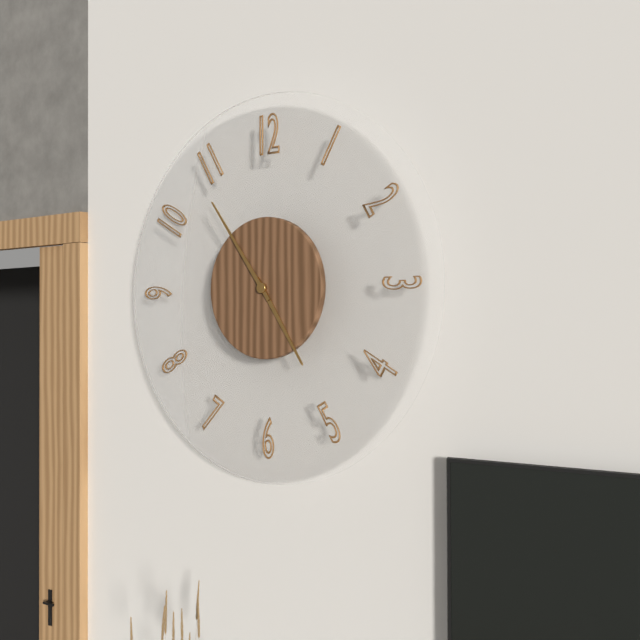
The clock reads 4 h 54 min
